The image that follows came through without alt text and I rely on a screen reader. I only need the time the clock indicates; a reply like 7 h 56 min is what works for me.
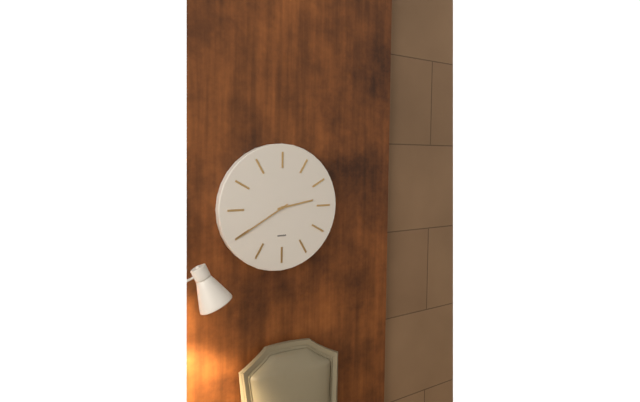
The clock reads 2 h 40 min
